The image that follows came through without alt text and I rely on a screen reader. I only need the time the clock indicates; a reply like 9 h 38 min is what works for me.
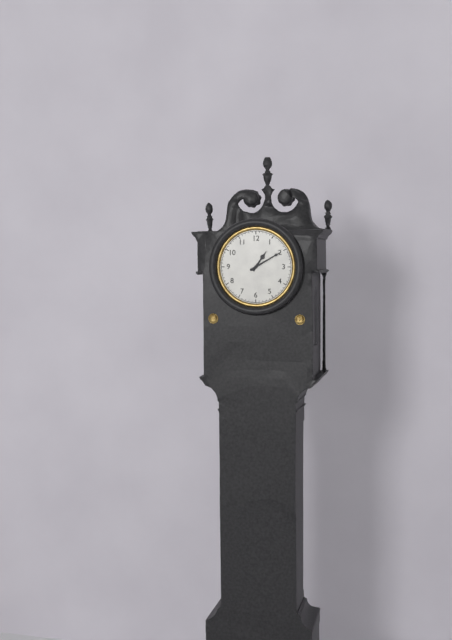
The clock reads 1 h 10 min
